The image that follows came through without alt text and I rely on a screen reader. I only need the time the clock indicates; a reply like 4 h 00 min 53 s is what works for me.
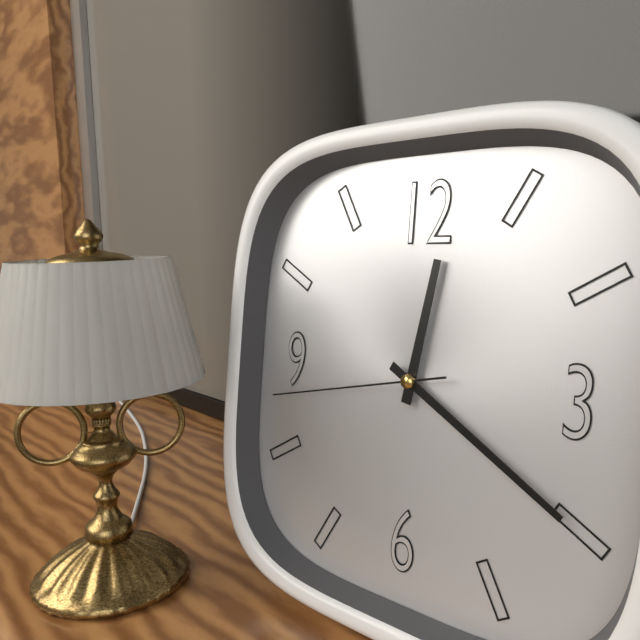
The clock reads 12 h 20 min 43 s
